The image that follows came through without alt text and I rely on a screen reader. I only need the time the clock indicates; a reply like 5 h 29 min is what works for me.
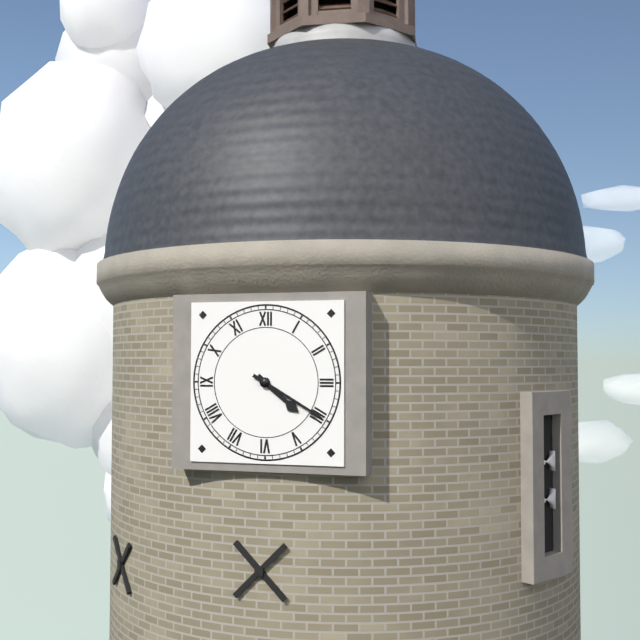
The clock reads 4 h 20 min
